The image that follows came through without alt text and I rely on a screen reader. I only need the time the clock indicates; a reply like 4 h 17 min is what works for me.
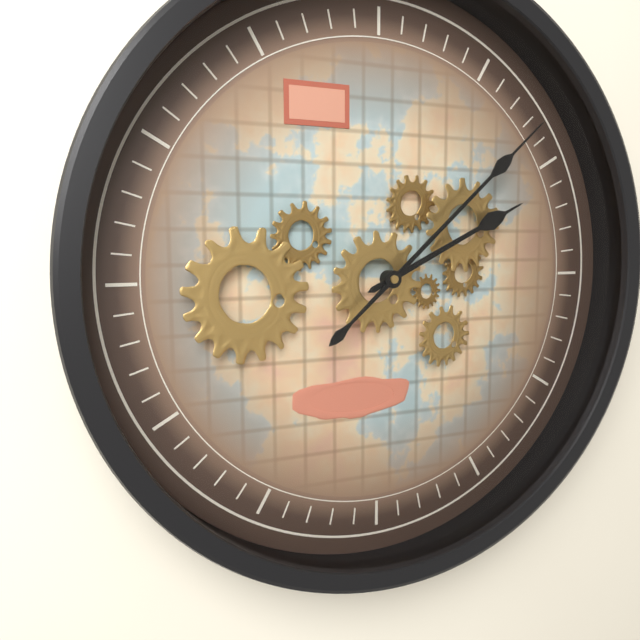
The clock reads 2 h 08 min
